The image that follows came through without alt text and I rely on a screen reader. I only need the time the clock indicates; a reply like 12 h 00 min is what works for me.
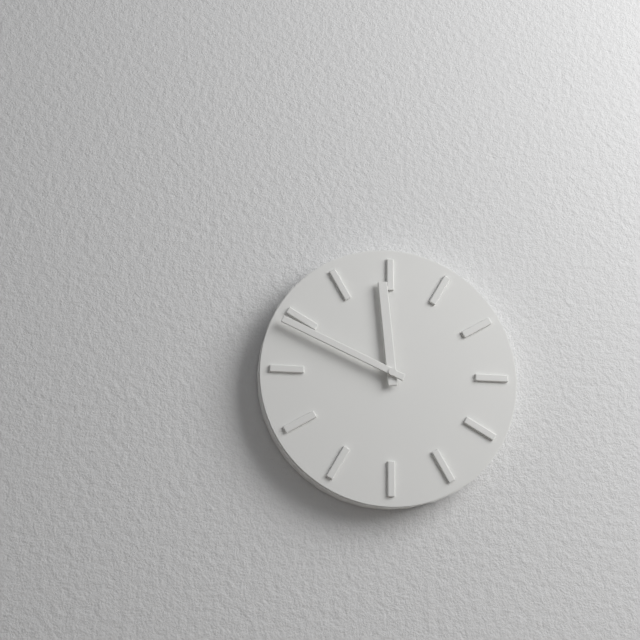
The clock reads 11 h 49 min
